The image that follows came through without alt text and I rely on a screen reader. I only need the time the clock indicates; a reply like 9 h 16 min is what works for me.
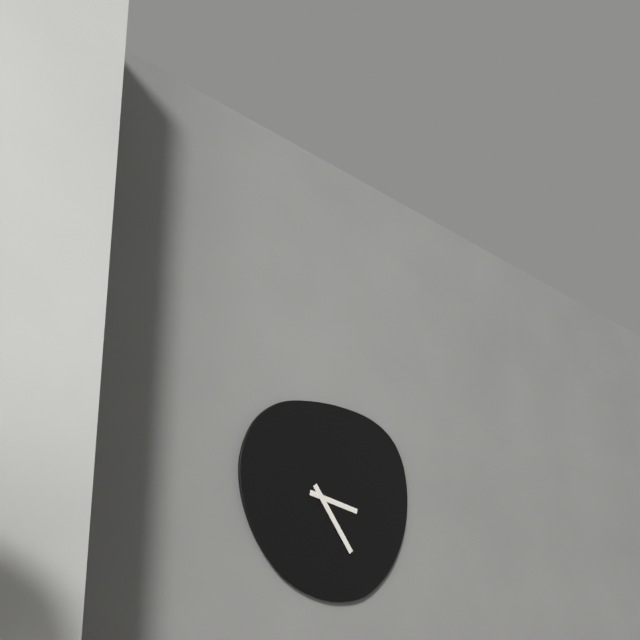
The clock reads 3 h 24 min
